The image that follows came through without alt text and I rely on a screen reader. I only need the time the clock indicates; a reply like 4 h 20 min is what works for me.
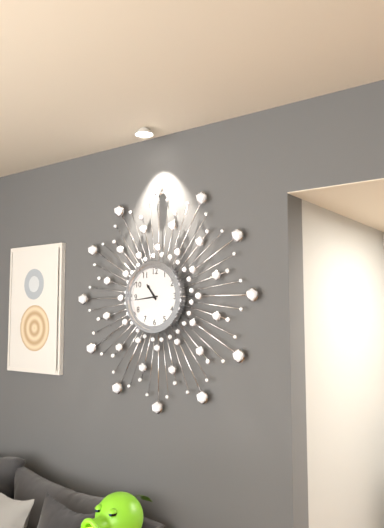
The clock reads 10 h 44 min
